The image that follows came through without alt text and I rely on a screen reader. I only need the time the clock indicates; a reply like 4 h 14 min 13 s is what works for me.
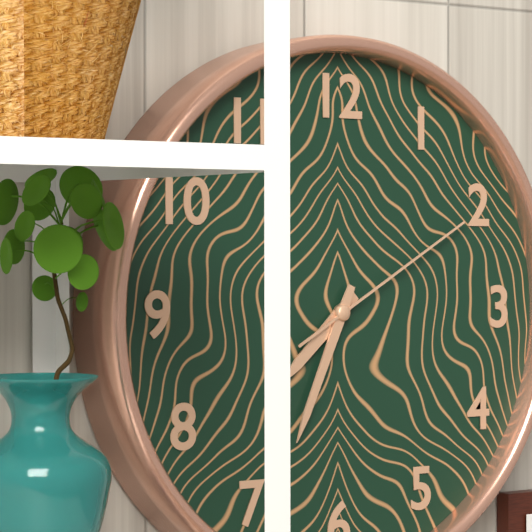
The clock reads 7 h 34 min 10 s
